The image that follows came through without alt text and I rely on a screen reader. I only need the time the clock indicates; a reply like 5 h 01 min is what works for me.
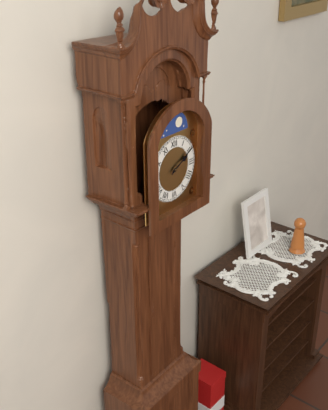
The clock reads 2 h 10 min
